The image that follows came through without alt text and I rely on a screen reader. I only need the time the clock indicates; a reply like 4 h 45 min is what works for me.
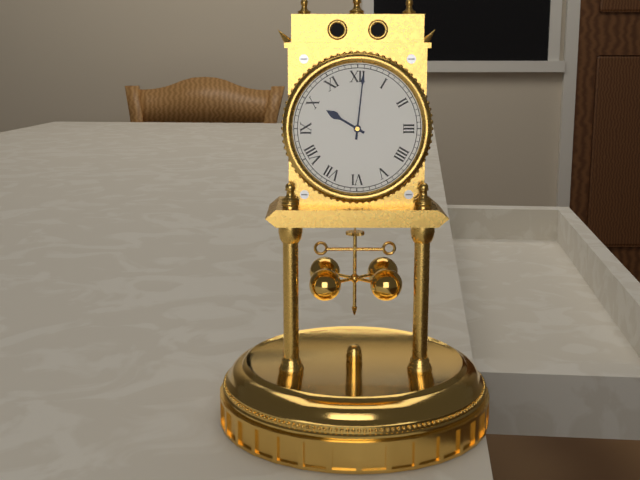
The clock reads 10 h 01 min
